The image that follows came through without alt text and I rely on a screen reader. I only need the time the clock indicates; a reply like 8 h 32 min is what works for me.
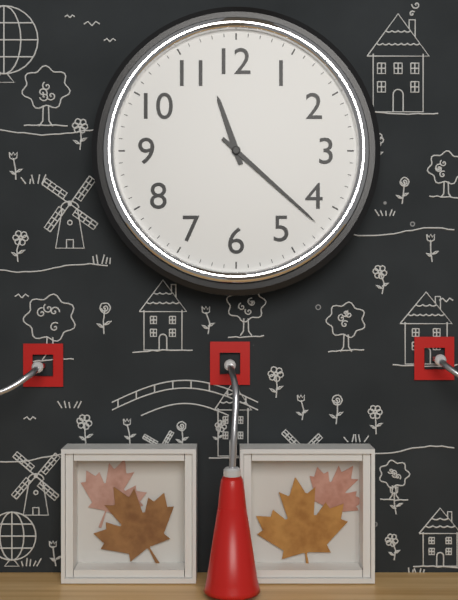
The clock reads 11 h 22 min
